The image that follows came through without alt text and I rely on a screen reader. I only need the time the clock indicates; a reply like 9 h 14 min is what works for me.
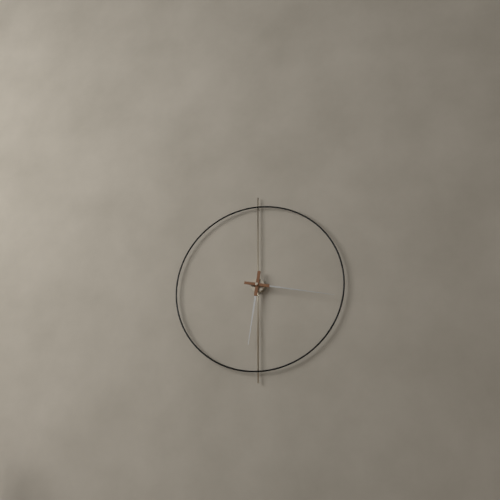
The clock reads 6 h 17 min
